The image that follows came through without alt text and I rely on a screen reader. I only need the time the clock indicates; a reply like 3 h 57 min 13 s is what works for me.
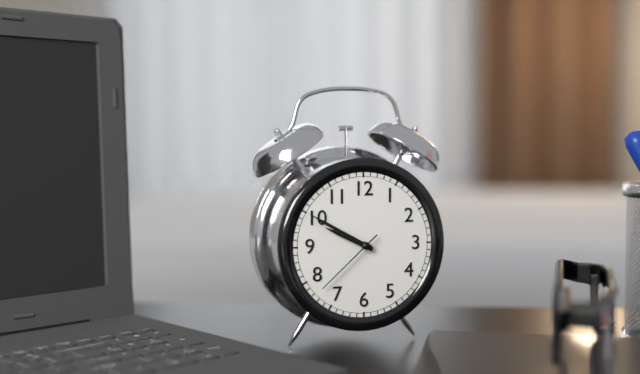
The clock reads 9 h 50 min 38 s
